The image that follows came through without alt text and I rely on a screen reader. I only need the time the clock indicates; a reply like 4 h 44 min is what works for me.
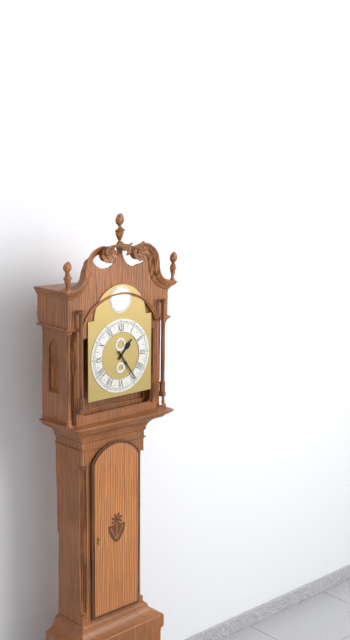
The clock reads 1 h 24 min
